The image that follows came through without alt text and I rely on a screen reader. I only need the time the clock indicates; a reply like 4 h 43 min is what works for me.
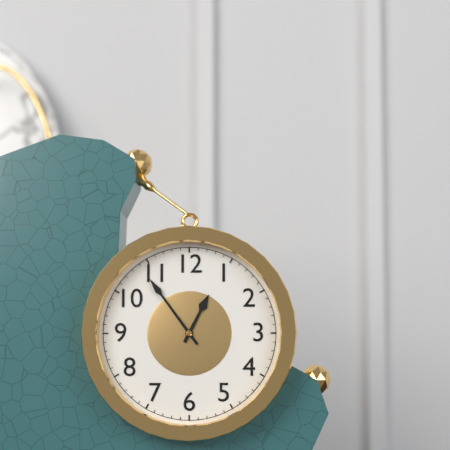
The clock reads 12 h 54 min
